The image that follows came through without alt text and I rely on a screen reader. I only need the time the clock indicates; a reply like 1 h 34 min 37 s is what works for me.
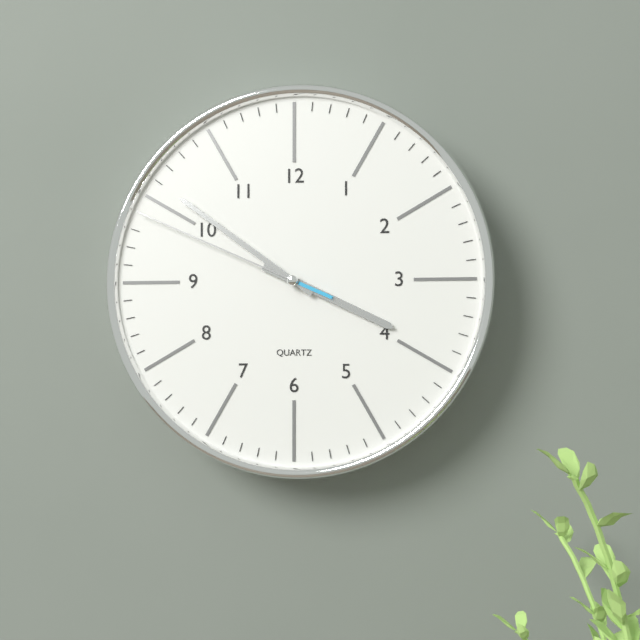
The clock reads 3 h 51 min 49 s
